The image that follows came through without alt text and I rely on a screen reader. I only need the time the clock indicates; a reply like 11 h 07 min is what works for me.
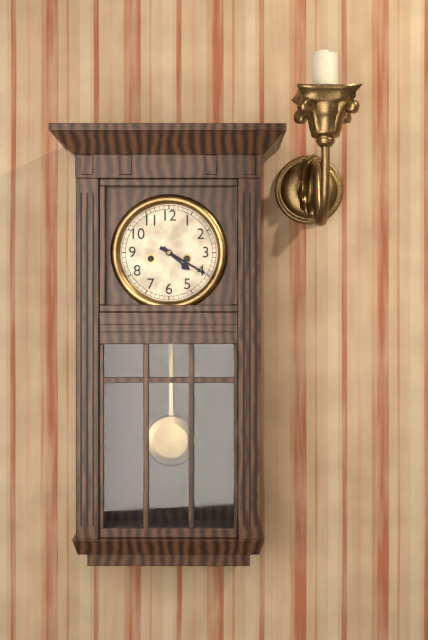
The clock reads 4 h 20 min
